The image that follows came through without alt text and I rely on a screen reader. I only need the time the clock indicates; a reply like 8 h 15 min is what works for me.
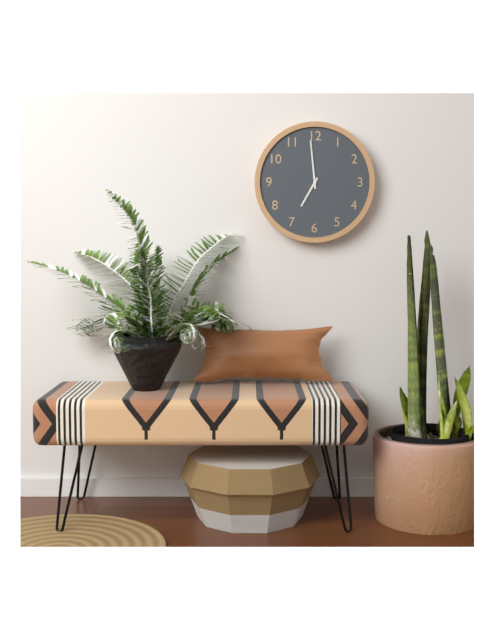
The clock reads 6 h 59 min
